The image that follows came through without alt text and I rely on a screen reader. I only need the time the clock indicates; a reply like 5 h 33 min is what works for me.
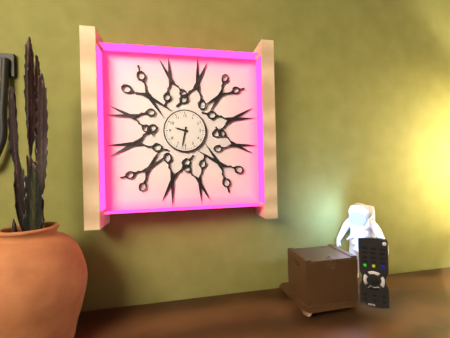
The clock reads 9 h 32 min
